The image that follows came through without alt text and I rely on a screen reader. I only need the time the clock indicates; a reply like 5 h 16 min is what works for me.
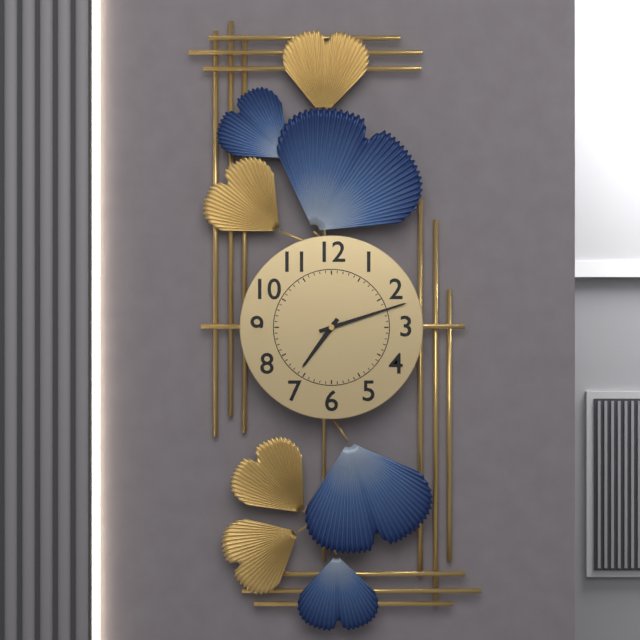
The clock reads 7 h 12 min
